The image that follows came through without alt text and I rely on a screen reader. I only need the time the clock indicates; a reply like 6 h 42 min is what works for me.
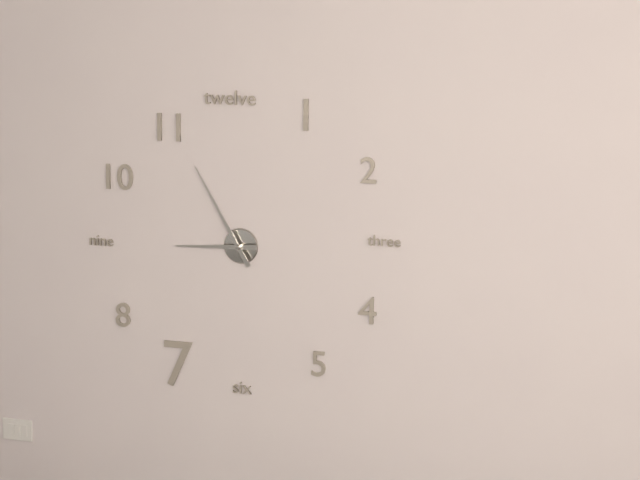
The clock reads 8 h 55 min
